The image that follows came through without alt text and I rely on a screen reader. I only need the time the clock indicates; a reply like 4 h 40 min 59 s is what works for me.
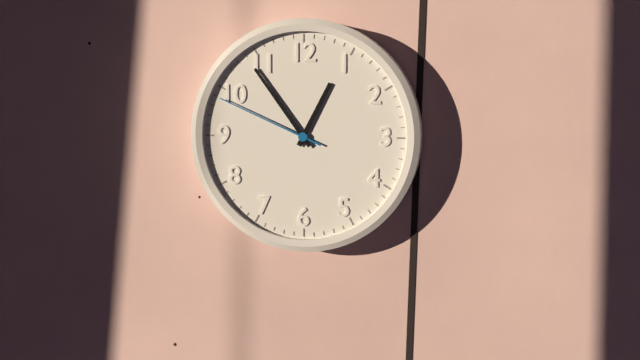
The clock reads 12 h 54 min 49 s
